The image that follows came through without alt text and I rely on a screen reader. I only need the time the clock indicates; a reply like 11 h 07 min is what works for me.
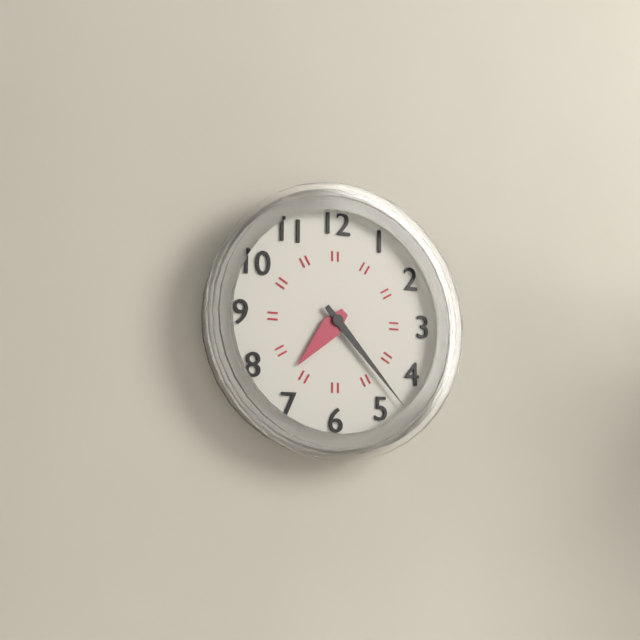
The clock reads 7 h 23 min
